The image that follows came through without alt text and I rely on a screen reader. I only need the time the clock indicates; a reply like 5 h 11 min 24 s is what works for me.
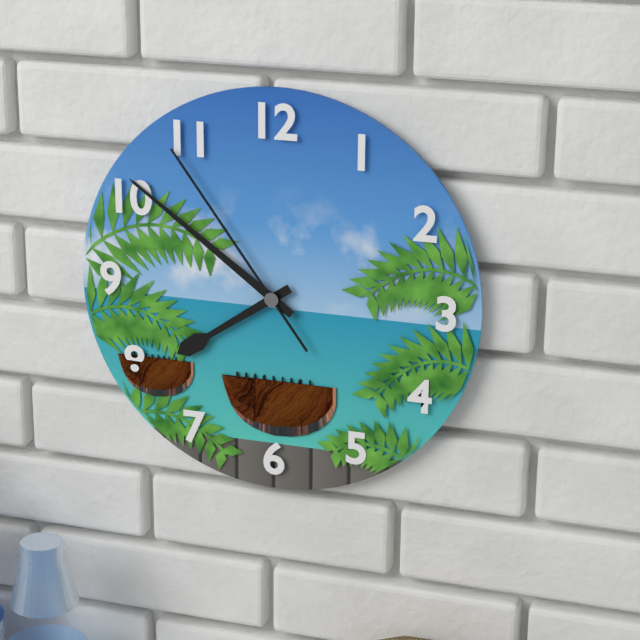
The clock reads 7 h 51 min 54 s
